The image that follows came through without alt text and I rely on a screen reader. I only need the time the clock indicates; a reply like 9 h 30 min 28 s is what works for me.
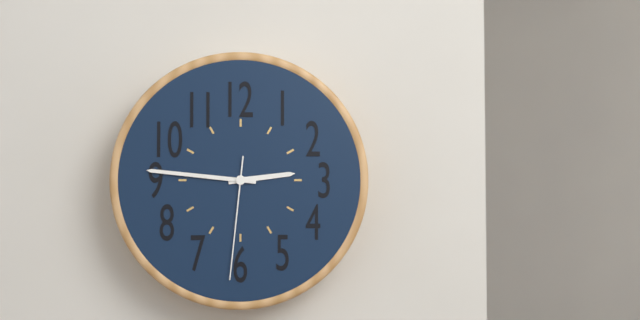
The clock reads 2 h 46 min 31 s
